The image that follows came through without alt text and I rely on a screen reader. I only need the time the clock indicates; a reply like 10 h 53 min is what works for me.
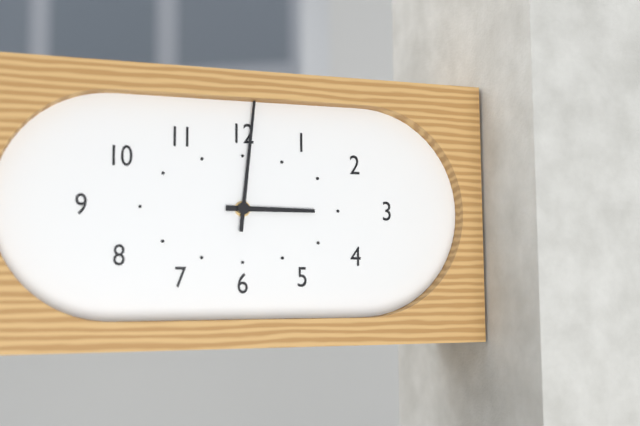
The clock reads 3 h 01 min
